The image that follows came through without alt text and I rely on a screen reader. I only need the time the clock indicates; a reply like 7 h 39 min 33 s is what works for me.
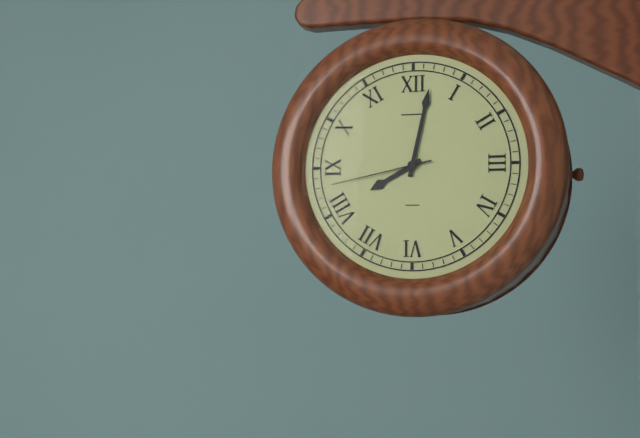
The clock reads 8 h 02 min 43 s
